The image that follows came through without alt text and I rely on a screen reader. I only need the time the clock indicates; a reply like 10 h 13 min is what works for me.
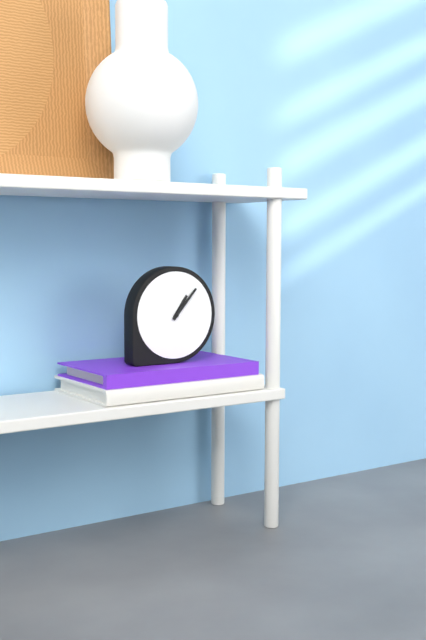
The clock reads 1 h 07 min
